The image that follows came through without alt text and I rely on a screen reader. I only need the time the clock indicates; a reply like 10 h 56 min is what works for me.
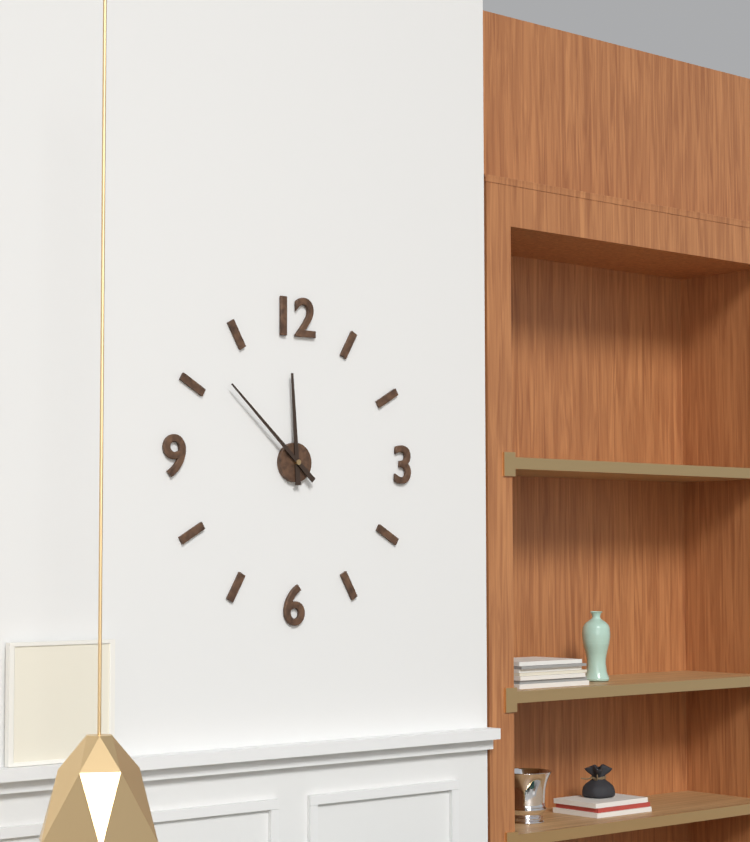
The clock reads 11 h 52 min
